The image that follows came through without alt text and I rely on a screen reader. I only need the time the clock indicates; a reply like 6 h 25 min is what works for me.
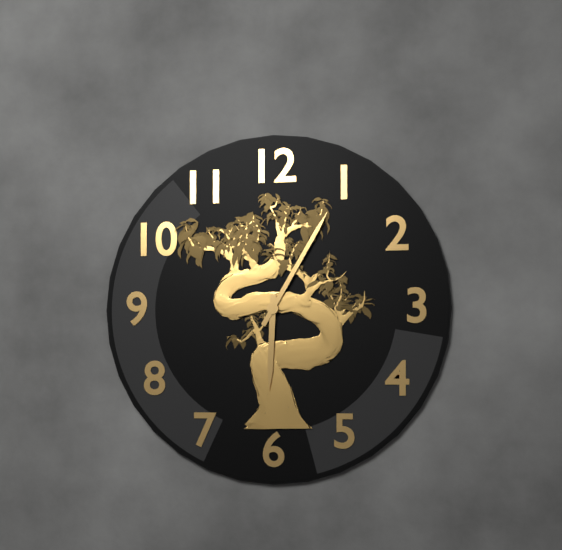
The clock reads 6 h 05 min
